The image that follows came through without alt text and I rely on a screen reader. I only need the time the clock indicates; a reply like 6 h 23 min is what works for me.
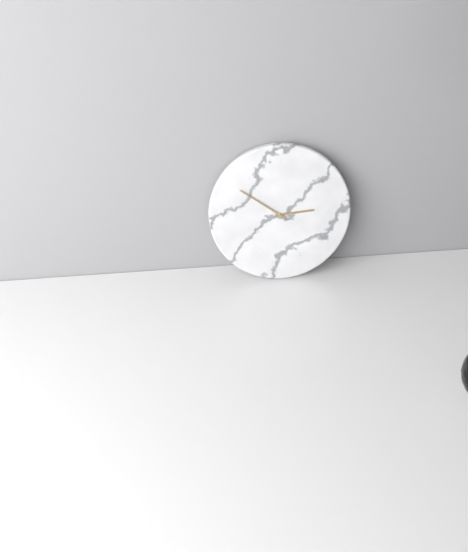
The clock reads 2 h 51 min
